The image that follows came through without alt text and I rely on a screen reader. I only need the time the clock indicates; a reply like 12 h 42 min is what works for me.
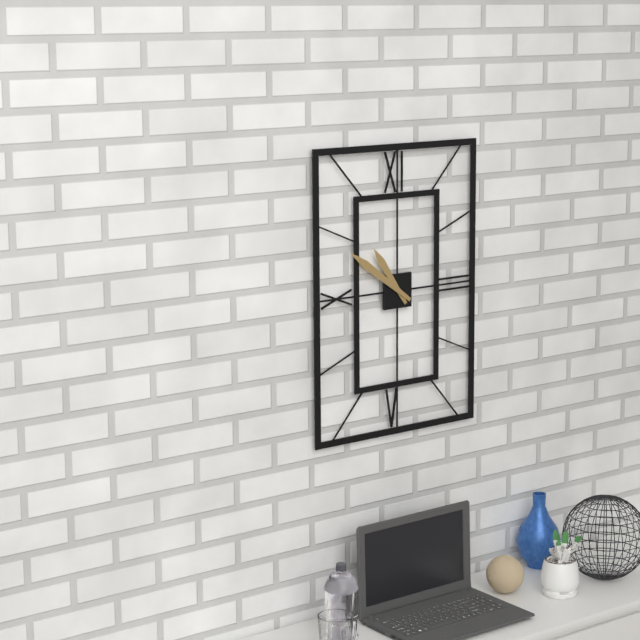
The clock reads 10 h 51 min
